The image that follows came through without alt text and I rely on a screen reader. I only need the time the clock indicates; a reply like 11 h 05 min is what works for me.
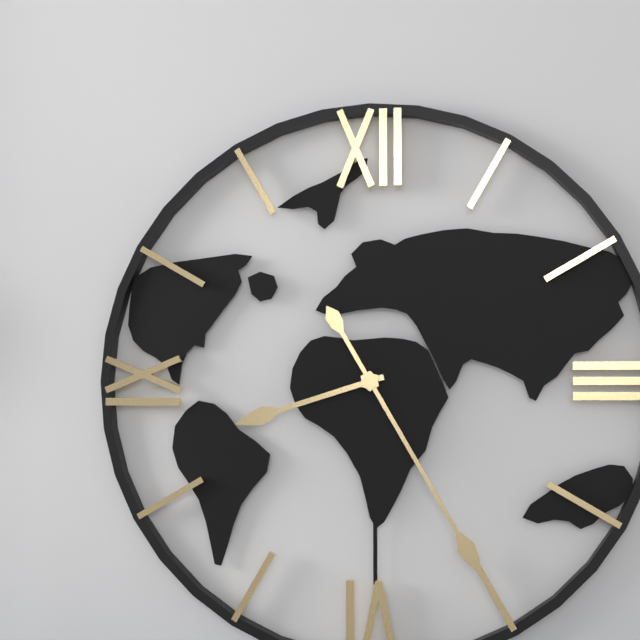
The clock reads 8 h 25 min
